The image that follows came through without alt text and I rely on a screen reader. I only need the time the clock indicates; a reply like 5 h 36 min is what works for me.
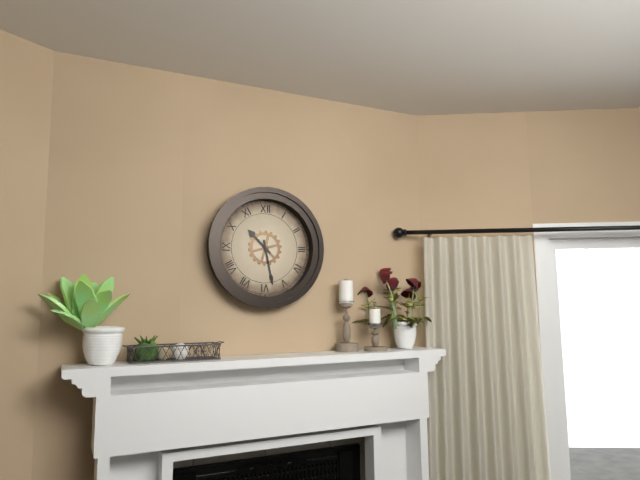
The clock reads 10 h 28 min
